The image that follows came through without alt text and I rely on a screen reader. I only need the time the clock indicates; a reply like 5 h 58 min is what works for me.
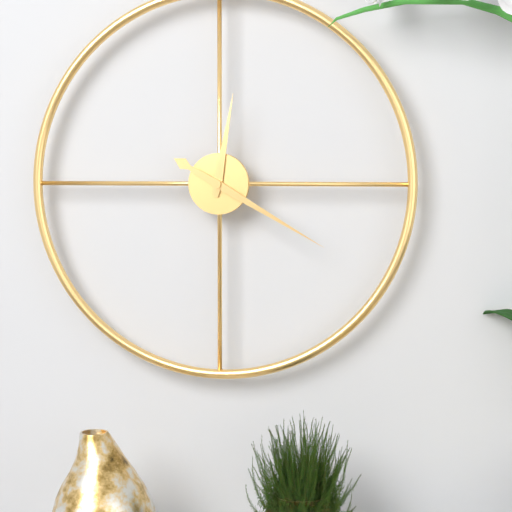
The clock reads 12 h 20 min
